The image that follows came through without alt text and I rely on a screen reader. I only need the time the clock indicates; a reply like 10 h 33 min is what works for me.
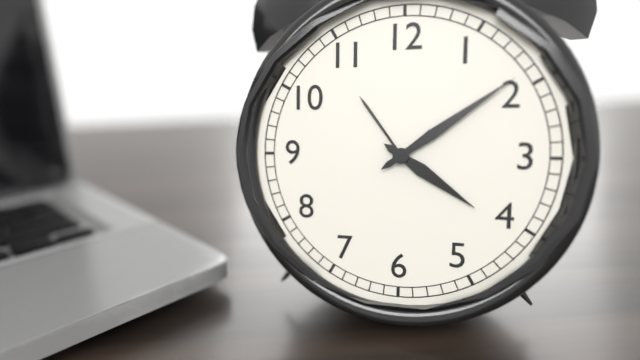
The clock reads 4 h 09 min
